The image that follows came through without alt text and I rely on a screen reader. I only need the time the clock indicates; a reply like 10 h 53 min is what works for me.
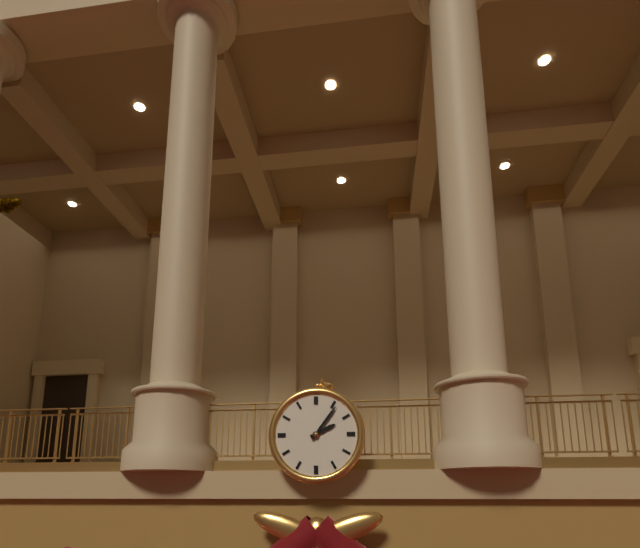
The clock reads 2 h 06 min
